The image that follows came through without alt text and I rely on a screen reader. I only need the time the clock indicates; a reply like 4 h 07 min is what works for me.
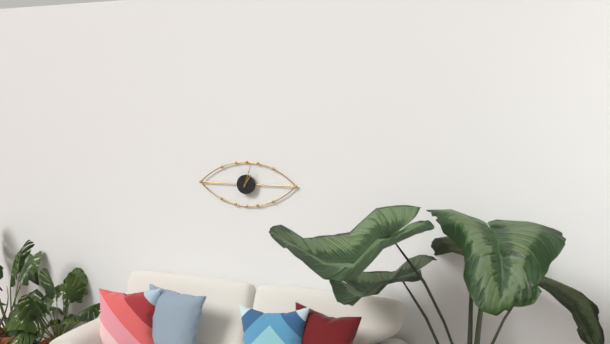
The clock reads 1 h 03 min
